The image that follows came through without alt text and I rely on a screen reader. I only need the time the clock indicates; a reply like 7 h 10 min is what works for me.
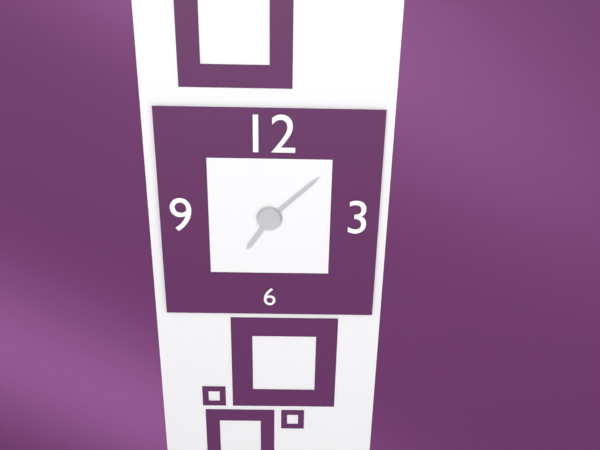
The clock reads 7 h 08 min
